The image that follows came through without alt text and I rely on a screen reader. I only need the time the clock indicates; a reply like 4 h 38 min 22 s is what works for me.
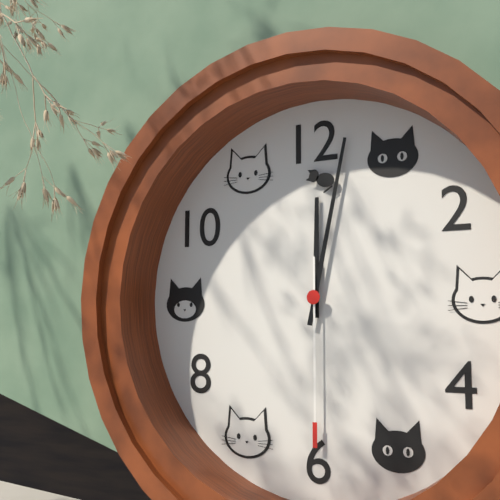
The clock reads 12 h 02 min 30 s
